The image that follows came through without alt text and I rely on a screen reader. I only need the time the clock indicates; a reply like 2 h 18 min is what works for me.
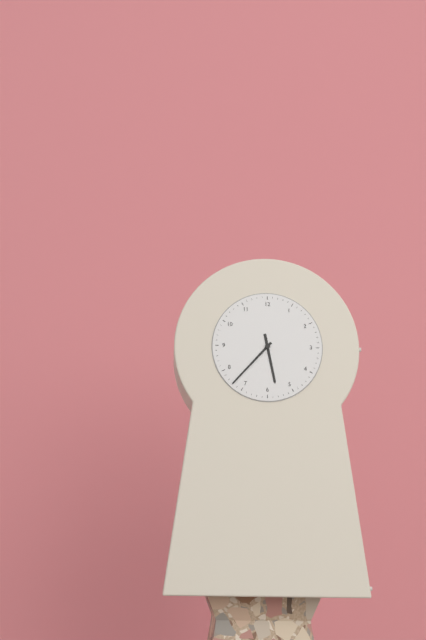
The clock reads 5 h 37 min
